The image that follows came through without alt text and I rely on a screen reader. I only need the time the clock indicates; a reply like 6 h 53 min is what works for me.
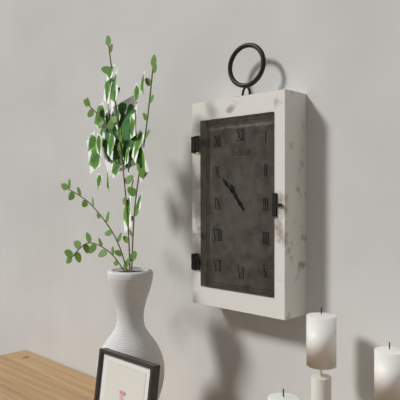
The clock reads 10 h 53 min
